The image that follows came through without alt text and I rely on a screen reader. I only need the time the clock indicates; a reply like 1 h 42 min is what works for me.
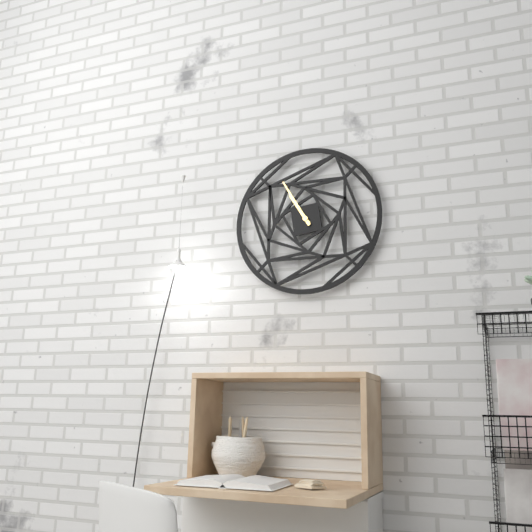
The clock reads 10 h 55 min
